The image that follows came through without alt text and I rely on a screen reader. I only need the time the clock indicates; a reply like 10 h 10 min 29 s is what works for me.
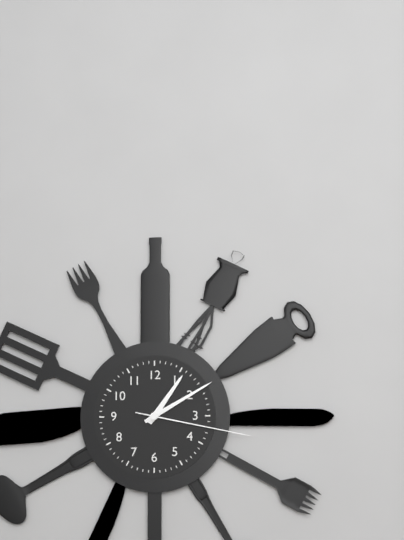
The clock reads 1 h 10 min 17 s
